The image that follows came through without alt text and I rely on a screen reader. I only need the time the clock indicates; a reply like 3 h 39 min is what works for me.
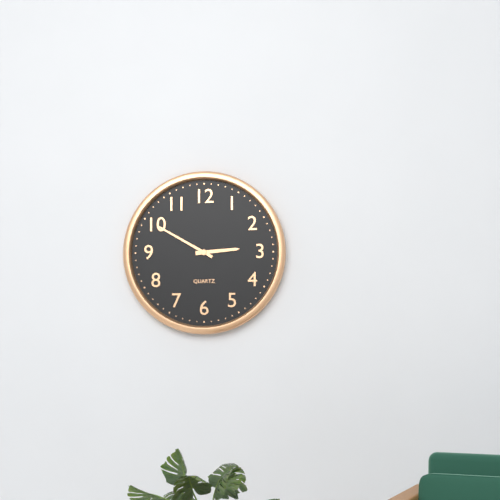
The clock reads 2 h 50 min
